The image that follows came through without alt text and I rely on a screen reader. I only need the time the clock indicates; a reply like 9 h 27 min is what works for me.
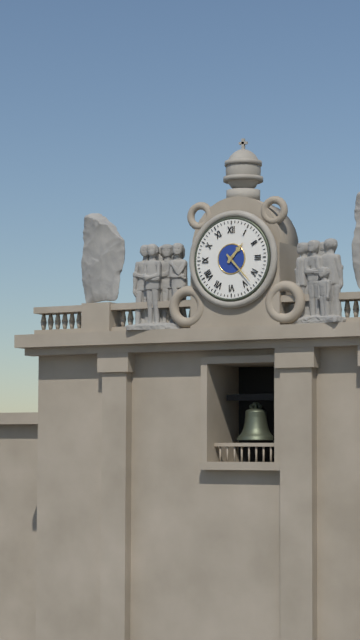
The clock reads 1 h 23 min
